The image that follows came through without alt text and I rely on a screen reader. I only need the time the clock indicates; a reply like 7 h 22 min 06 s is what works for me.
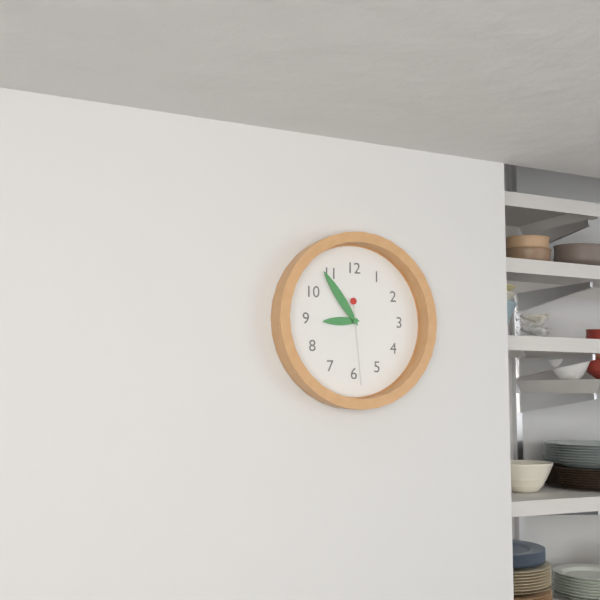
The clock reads 8 h 54 min 29 s
